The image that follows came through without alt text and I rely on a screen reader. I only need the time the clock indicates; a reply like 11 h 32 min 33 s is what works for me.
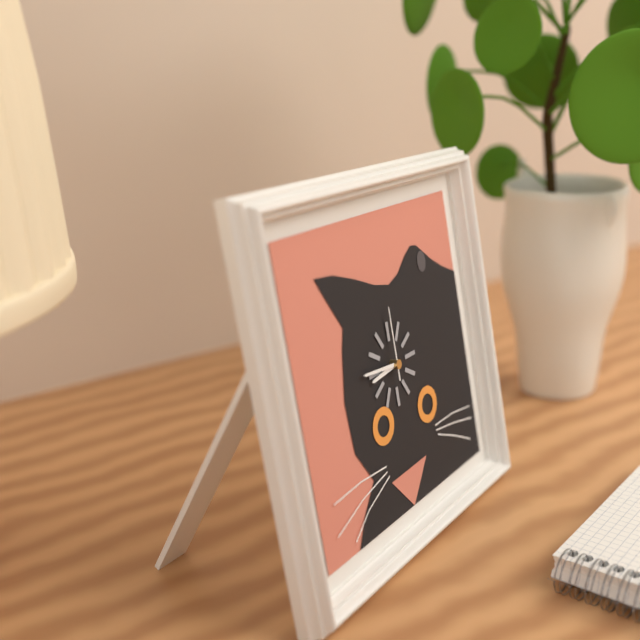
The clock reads 8 h 46 min 00 s
